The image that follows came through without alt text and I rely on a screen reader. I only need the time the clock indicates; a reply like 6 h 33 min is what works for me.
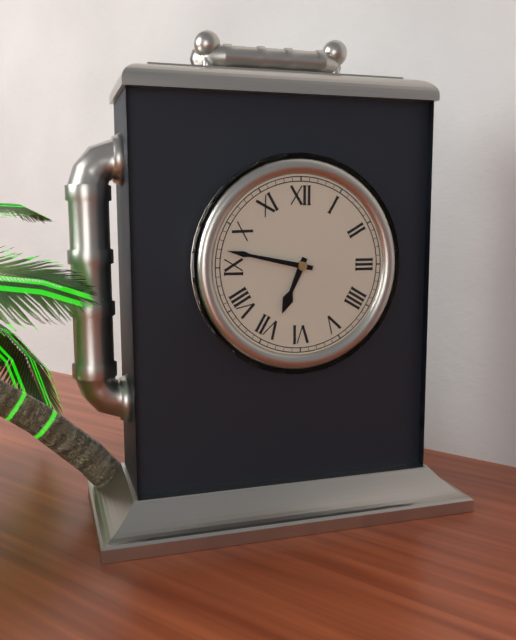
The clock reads 6 h 47 min
